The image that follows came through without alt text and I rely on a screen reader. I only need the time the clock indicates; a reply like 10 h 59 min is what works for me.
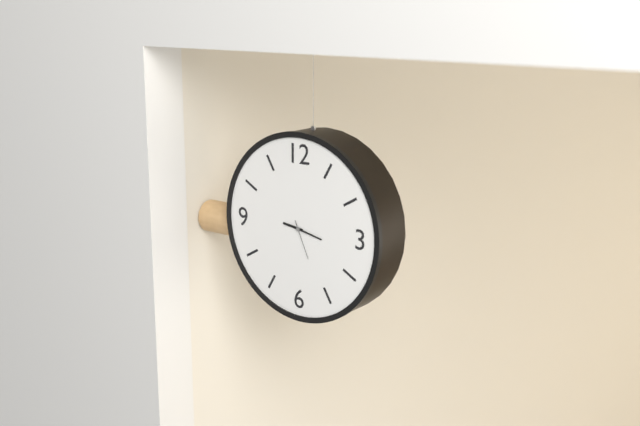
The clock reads 9 h 17 min
